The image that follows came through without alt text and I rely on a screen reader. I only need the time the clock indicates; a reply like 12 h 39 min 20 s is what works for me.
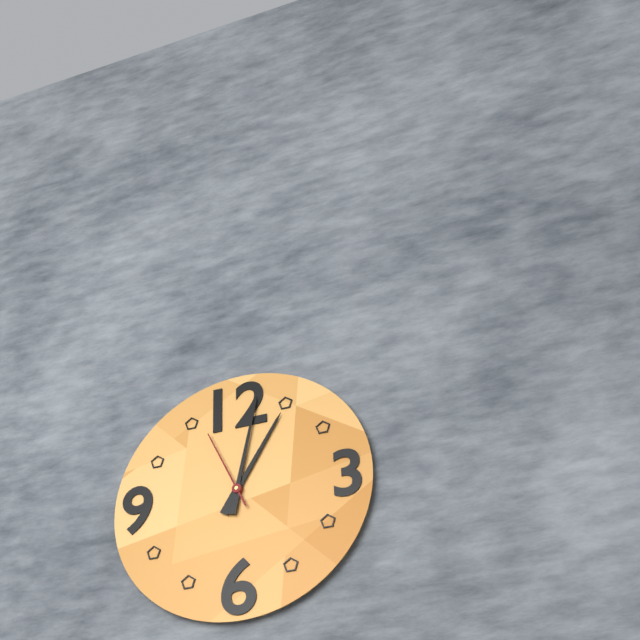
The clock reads 1 h 02 min 56 s
